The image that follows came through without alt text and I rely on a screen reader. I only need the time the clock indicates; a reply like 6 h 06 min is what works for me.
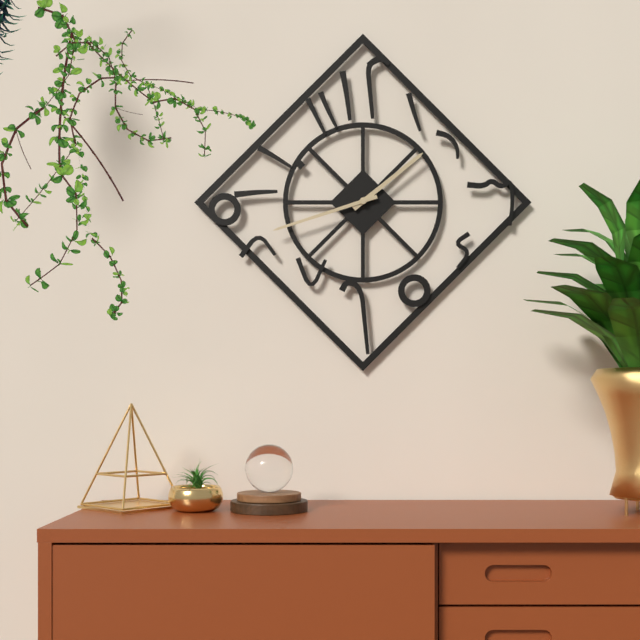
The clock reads 1 h 42 min
